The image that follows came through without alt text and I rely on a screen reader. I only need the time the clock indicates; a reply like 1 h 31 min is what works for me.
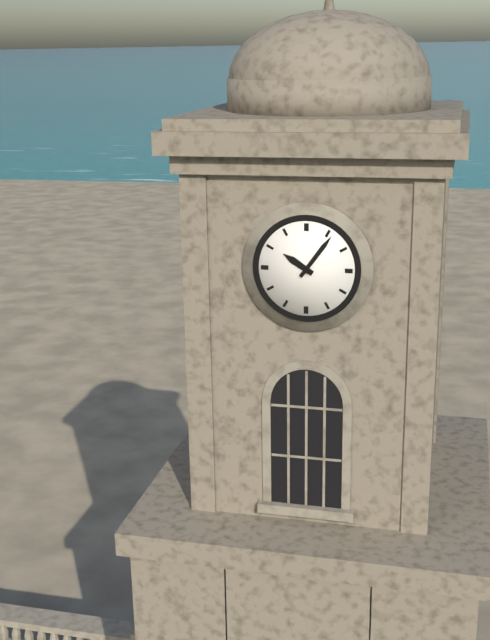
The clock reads 10 h 06 min
